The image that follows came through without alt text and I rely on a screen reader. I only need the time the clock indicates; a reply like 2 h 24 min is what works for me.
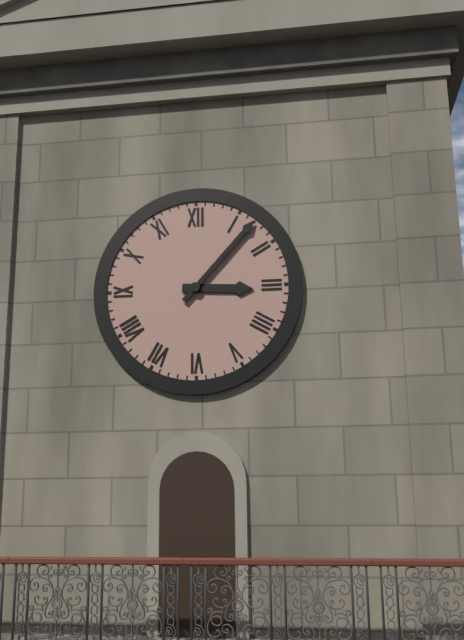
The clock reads 3 h 07 min
